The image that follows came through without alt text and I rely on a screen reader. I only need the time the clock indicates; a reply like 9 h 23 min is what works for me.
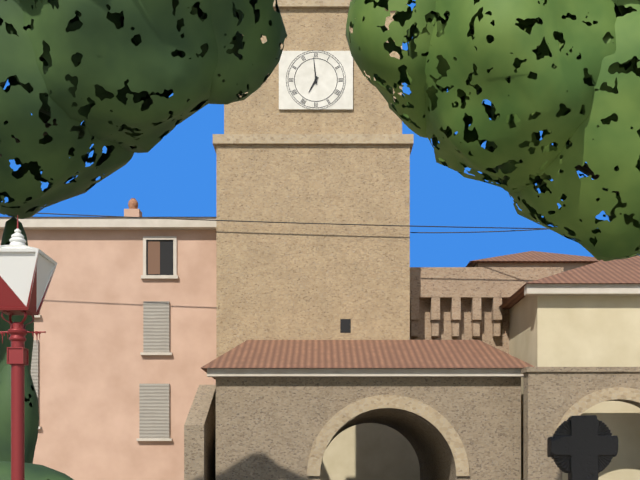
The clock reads 6 h 59 min
